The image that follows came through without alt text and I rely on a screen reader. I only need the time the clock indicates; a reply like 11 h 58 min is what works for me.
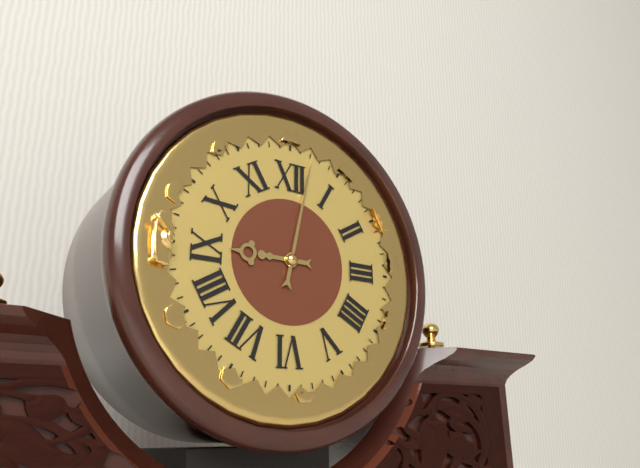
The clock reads 9 h 02 min
